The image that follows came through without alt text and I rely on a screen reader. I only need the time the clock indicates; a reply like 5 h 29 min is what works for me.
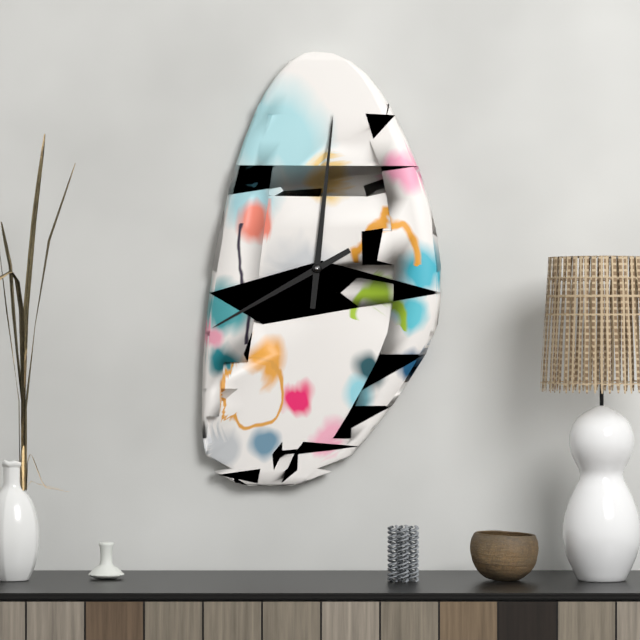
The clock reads 8 h 01 min
